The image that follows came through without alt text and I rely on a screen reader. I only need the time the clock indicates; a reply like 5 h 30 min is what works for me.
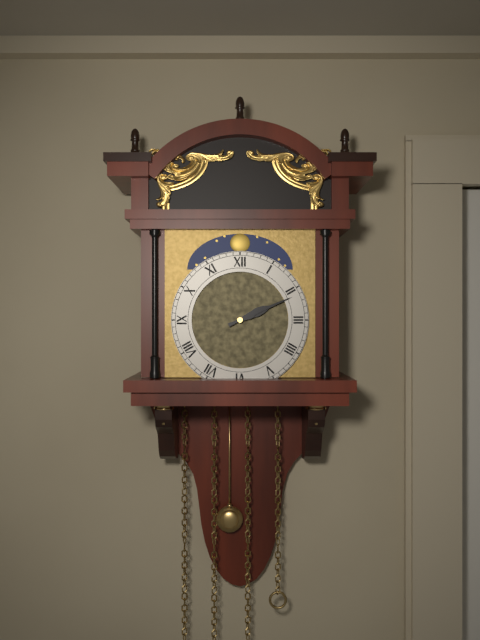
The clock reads 2 h 11 min
